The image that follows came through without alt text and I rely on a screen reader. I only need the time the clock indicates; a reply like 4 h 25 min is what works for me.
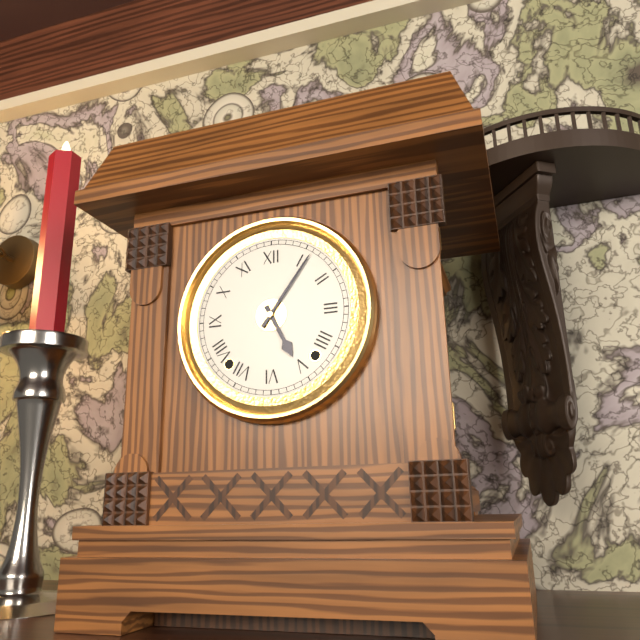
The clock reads 5 h 06 min
